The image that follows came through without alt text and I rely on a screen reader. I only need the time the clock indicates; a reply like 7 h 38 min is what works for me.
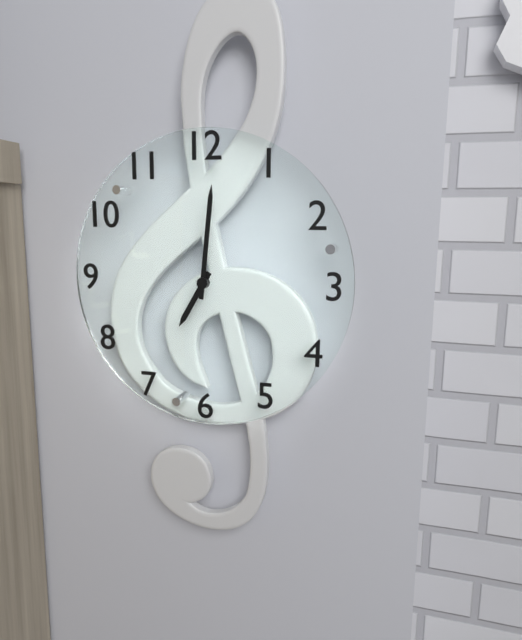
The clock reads 7 h 01 min
